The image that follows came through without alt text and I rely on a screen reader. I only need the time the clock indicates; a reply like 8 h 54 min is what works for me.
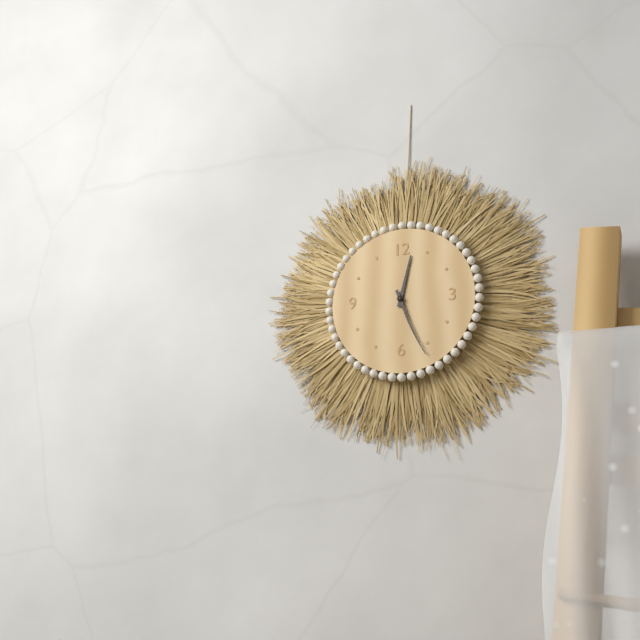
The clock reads 12 h 26 min
